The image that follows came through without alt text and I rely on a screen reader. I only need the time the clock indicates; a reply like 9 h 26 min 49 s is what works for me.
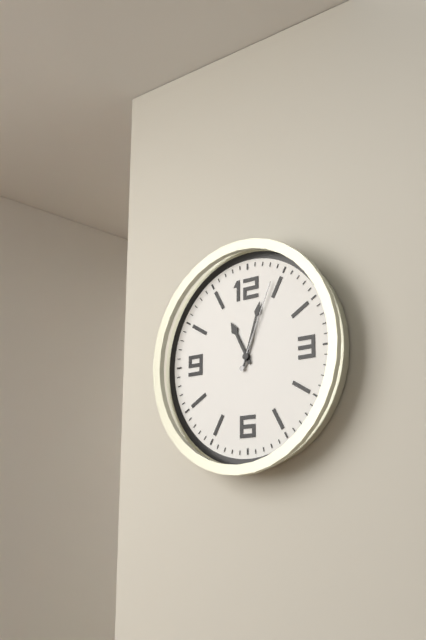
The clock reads 11 h 03 min 04 s
